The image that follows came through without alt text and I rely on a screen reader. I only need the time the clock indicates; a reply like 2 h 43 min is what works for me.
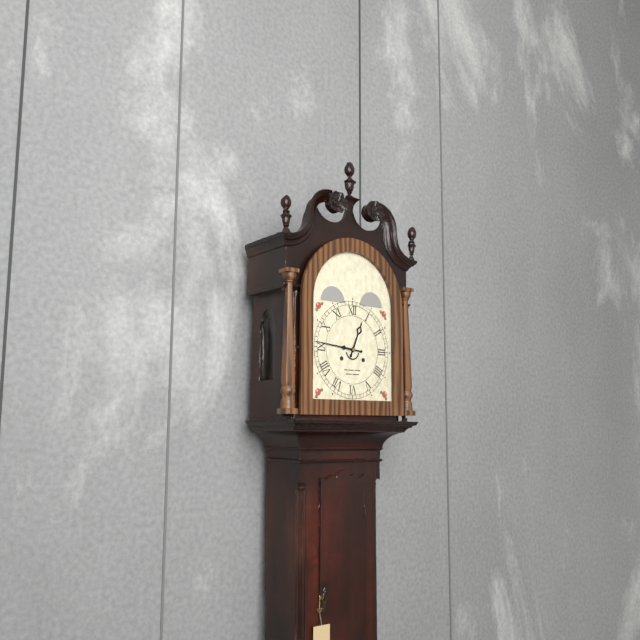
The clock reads 12 h 46 min
